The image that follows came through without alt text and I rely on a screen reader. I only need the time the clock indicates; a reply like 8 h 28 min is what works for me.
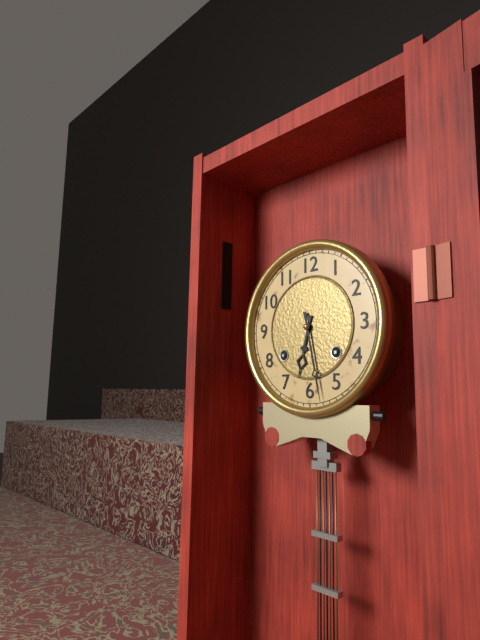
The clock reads 6 h 28 min
